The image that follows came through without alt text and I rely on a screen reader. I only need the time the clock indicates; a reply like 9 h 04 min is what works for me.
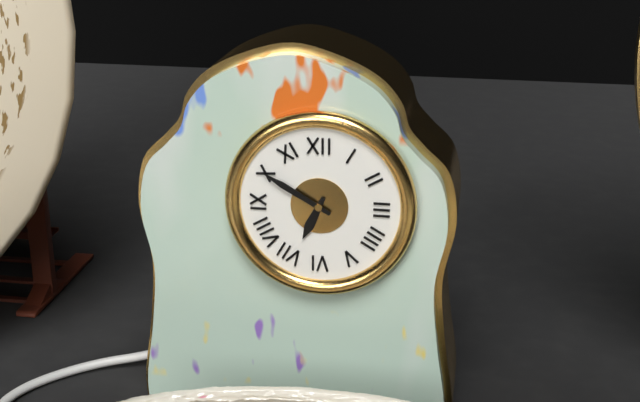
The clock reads 6 h 50 min
